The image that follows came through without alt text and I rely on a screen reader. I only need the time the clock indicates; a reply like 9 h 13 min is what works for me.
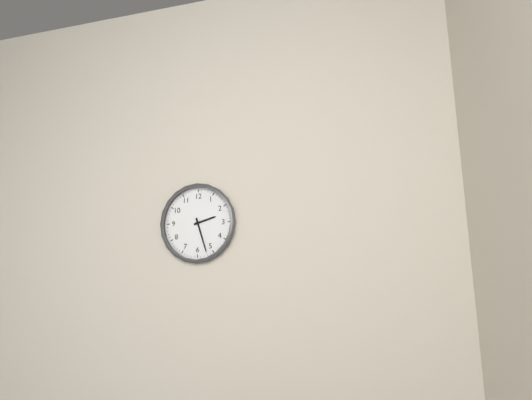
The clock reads 2 h 27 min
